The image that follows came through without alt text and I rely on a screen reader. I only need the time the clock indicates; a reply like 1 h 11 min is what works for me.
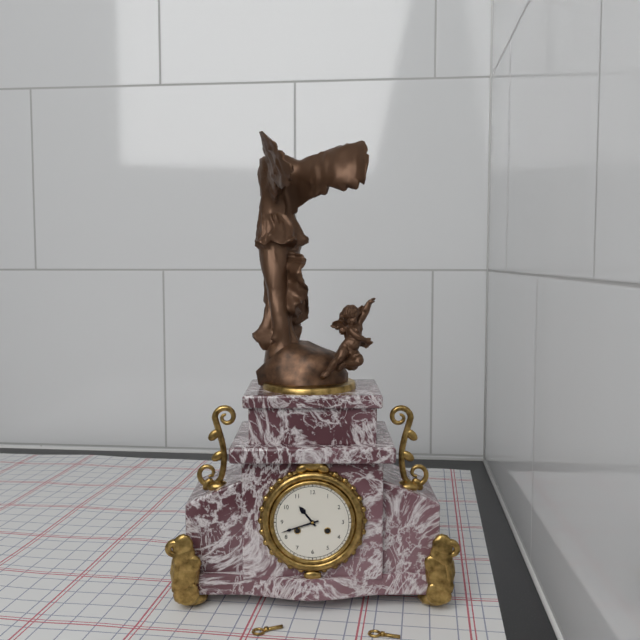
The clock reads 10 h 42 min
